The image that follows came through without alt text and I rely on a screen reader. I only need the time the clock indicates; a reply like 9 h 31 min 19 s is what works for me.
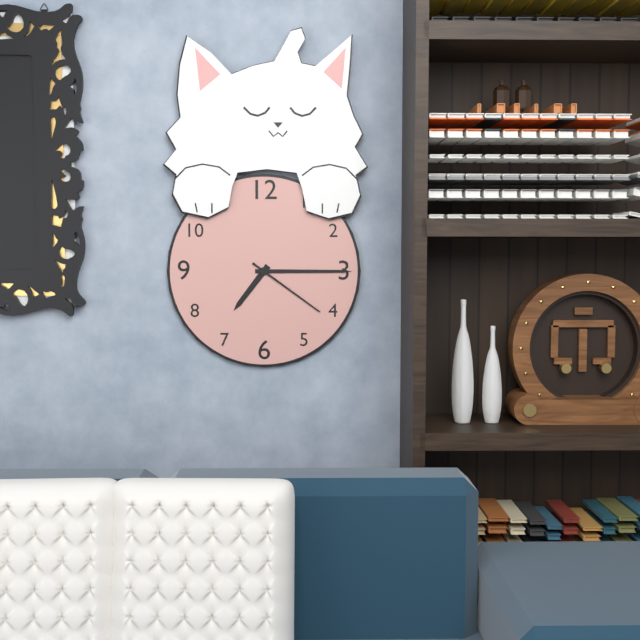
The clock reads 7 h 15 min 21 s
